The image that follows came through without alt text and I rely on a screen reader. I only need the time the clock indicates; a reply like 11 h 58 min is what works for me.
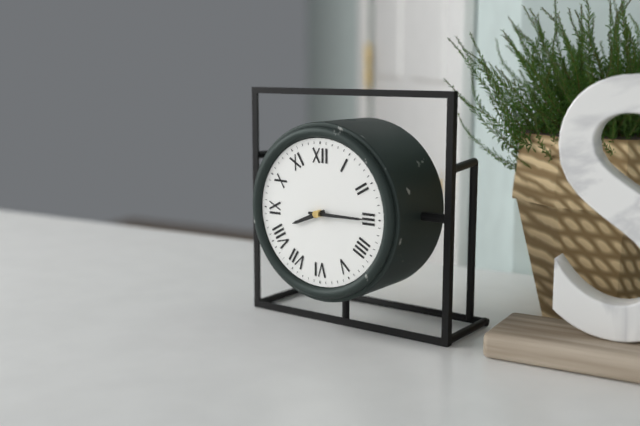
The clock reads 8 h 15 min
